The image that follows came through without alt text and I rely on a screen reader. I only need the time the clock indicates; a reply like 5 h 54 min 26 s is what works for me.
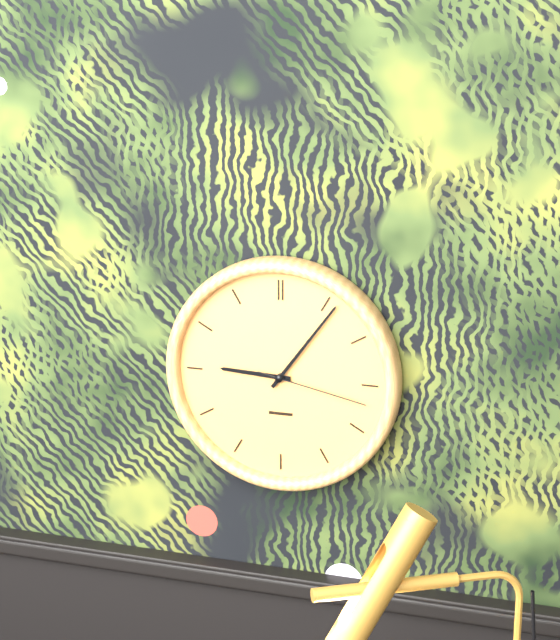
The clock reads 9 h 06 min 17 s
